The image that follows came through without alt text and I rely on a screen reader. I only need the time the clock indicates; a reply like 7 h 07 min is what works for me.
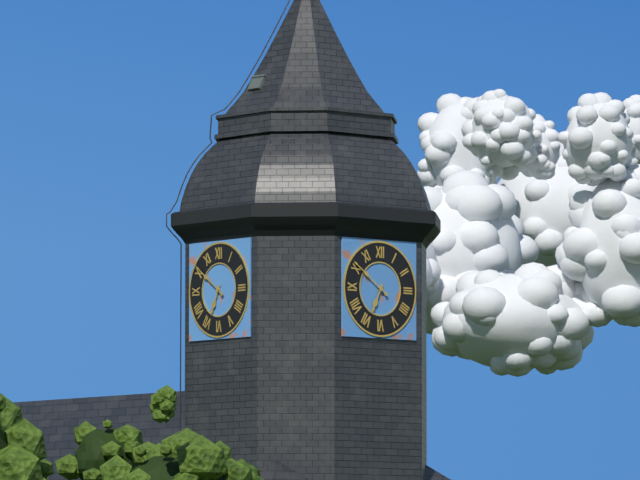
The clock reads 6 h 51 min
